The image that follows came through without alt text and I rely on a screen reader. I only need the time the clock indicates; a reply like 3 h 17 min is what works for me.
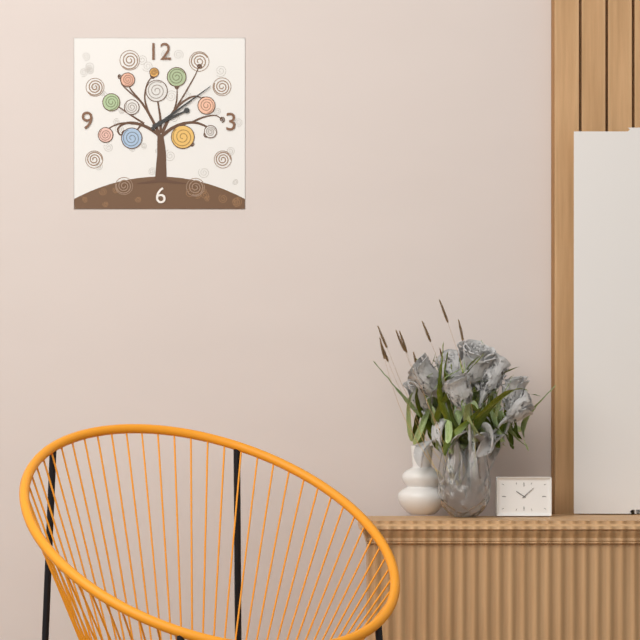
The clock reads 2 h 09 min
